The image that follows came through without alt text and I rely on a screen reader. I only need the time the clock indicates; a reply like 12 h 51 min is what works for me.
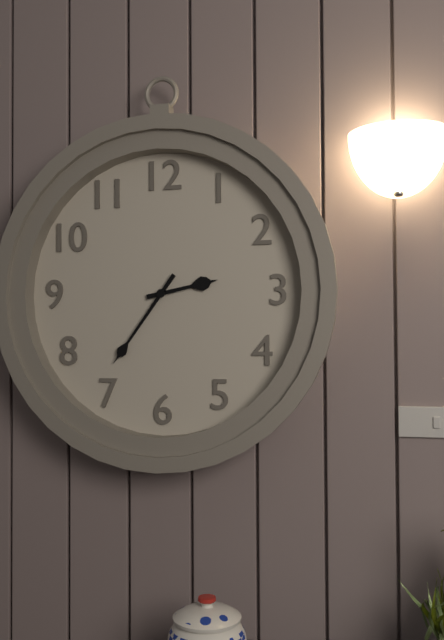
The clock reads 2 h 36 min
